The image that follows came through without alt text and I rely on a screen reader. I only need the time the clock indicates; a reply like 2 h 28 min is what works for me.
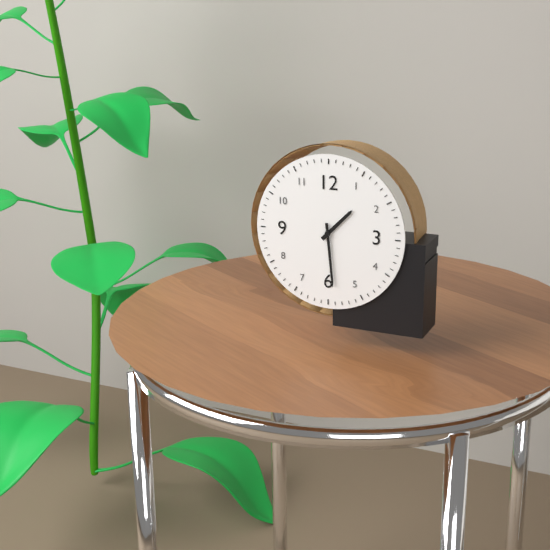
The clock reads 1 h 29 min
